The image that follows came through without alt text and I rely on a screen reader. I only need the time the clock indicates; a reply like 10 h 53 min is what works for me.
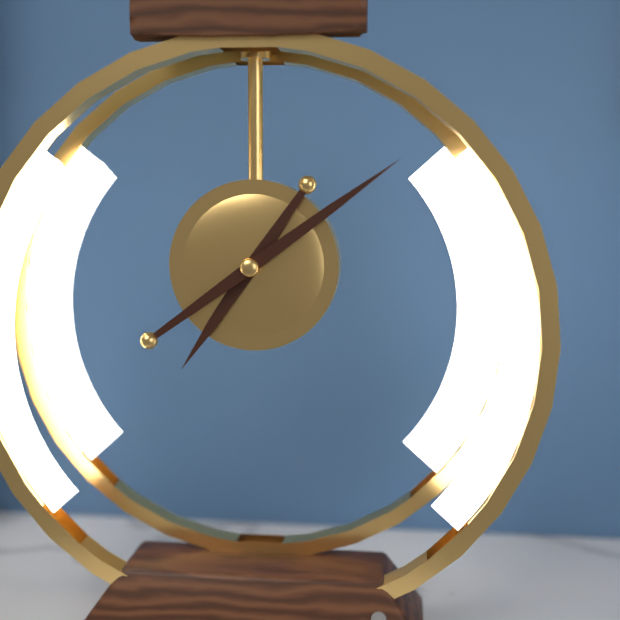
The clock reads 7 h 09 min
